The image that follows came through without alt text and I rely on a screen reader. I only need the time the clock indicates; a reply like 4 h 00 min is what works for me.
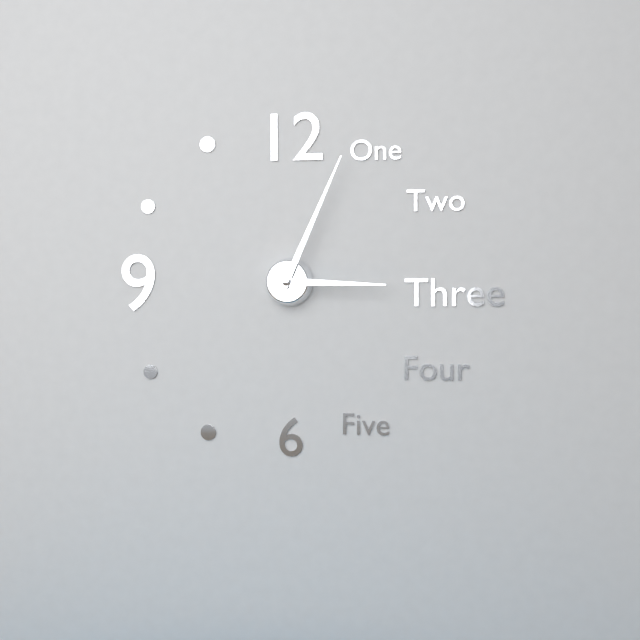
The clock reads 3 h 04 min
